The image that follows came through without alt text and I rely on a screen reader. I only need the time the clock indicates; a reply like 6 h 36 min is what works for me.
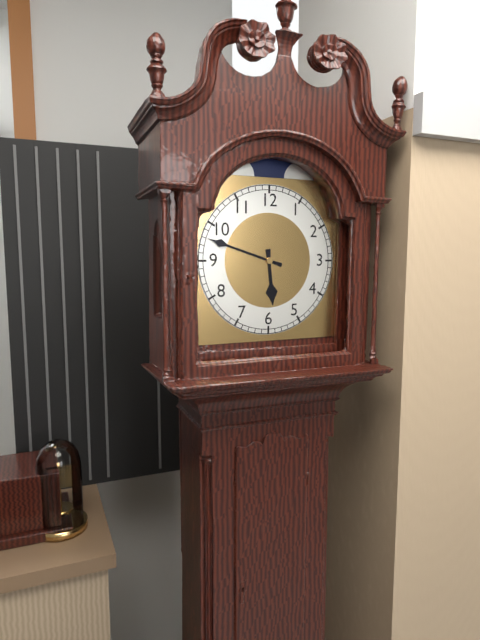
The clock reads 5 h 48 min
